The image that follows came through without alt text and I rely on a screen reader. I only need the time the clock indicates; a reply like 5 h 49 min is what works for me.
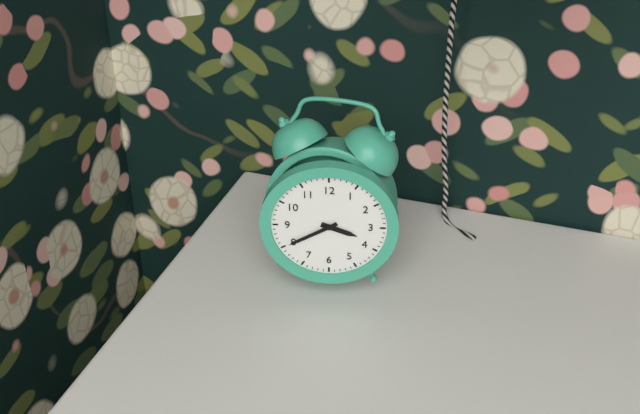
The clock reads 3 h 40 min
